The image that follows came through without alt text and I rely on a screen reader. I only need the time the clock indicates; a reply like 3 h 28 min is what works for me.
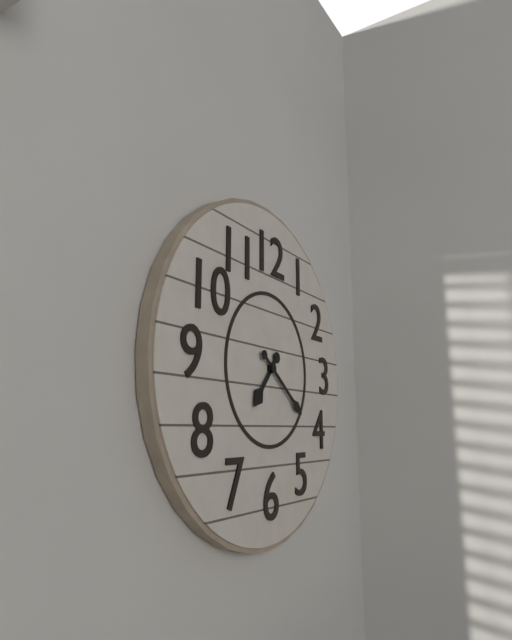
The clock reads 7 h 21 min
